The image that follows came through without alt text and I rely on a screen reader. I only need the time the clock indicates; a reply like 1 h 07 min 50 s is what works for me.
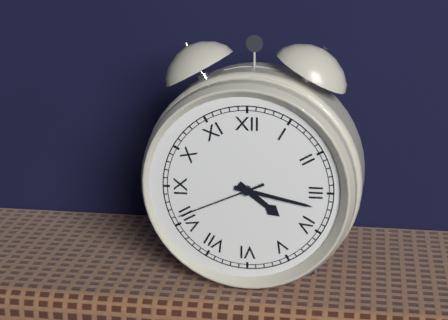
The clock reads 4 h 17 min 41 s
